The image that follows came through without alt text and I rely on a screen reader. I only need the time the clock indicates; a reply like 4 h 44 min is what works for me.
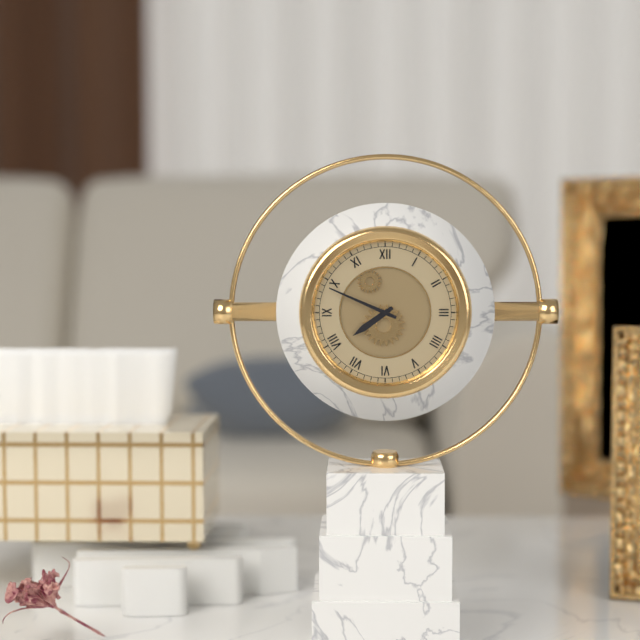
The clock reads 7 h 49 min
